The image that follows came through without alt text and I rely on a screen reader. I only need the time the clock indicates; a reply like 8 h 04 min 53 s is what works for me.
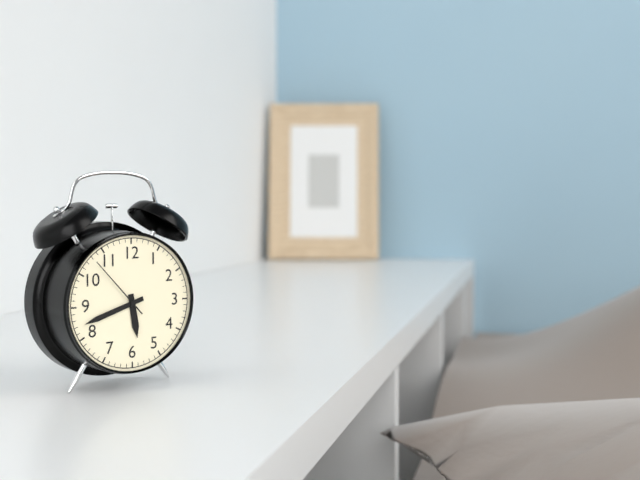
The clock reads 5 h 42 min 53 s
